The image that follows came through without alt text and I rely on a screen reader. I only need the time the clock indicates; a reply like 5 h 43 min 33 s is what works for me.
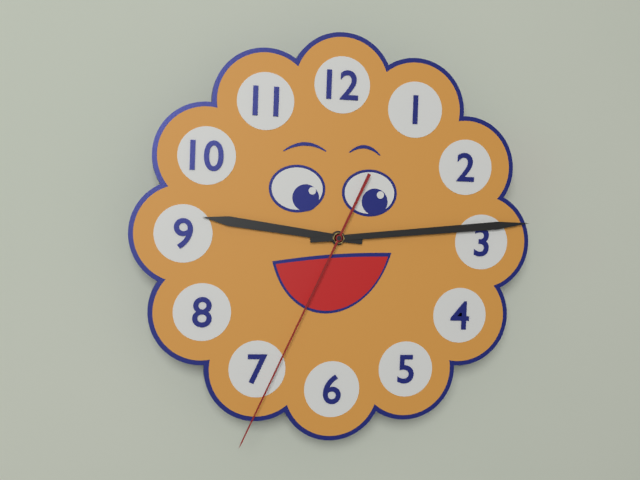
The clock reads 9 h 14 min 34 s
